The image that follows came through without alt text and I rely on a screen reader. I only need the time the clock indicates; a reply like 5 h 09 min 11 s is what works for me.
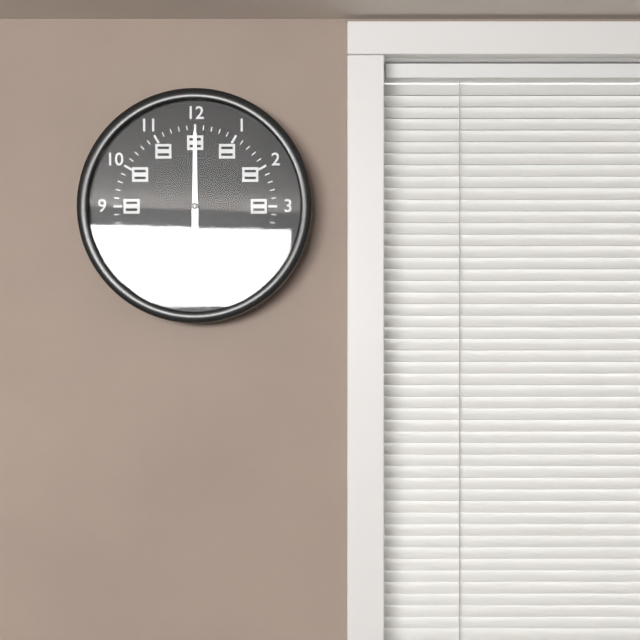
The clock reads 6 h 00 min 30 s
